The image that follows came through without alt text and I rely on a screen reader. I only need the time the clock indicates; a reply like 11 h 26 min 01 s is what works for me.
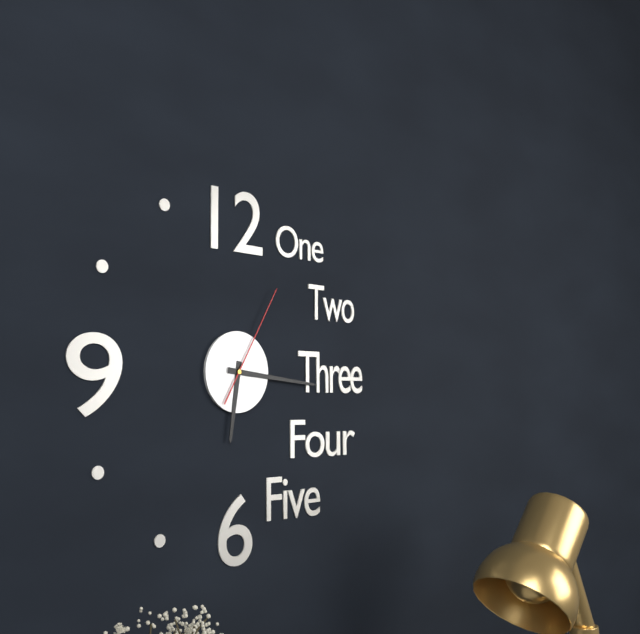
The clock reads 6 h 16 min 05 s
